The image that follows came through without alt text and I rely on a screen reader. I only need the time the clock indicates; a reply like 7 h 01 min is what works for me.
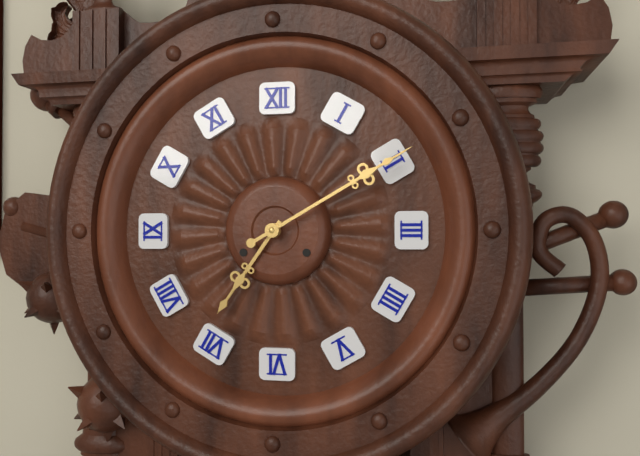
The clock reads 7 h 10 min
